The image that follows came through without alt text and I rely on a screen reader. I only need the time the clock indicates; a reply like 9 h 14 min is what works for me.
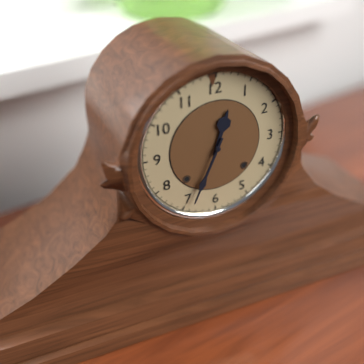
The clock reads 12 h 34 min
